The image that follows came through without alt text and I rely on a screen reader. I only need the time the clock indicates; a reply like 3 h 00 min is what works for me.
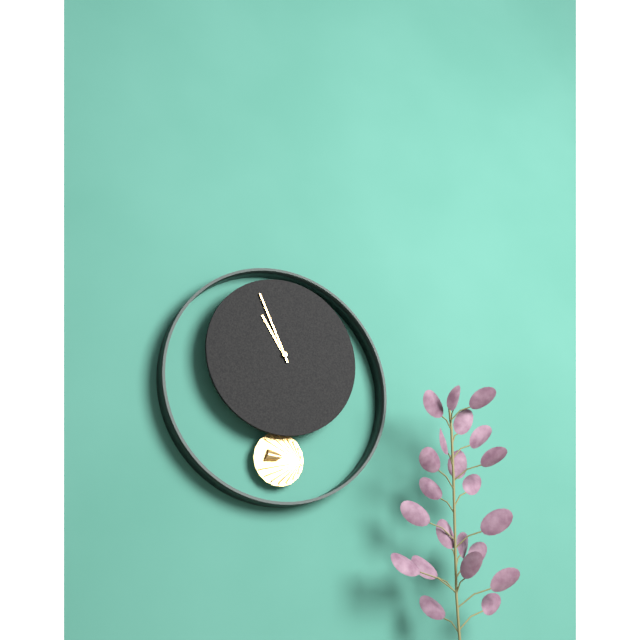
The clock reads 10 h 56 min
